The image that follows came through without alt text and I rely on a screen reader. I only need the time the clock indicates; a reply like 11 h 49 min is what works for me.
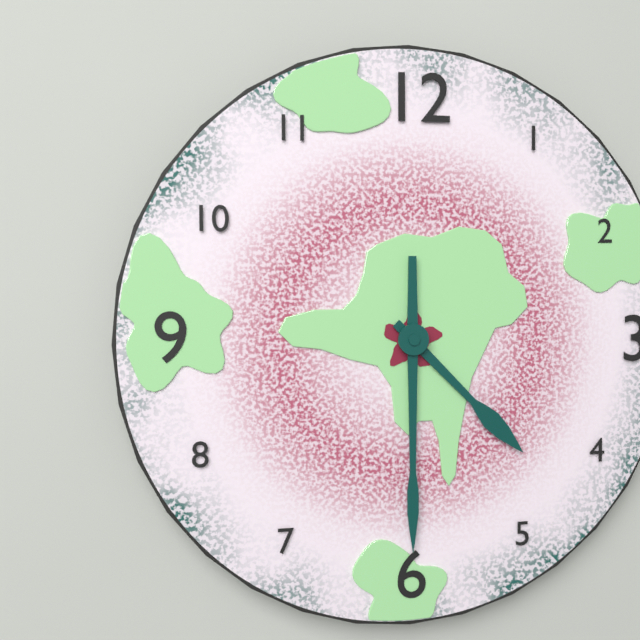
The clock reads 4 h 30 min
